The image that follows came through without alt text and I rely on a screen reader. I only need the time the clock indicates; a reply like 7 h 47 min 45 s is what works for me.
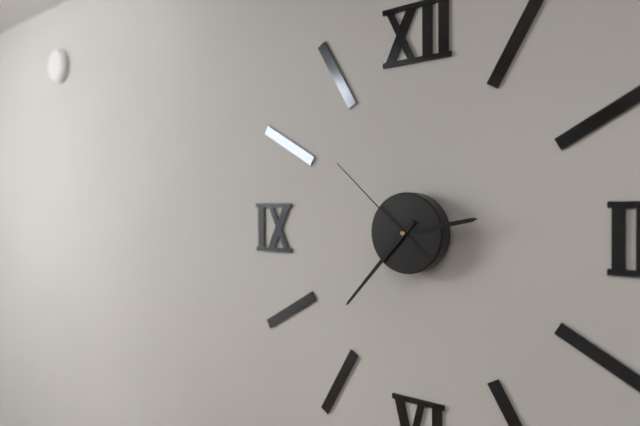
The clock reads 2 h 37 min 52 s
